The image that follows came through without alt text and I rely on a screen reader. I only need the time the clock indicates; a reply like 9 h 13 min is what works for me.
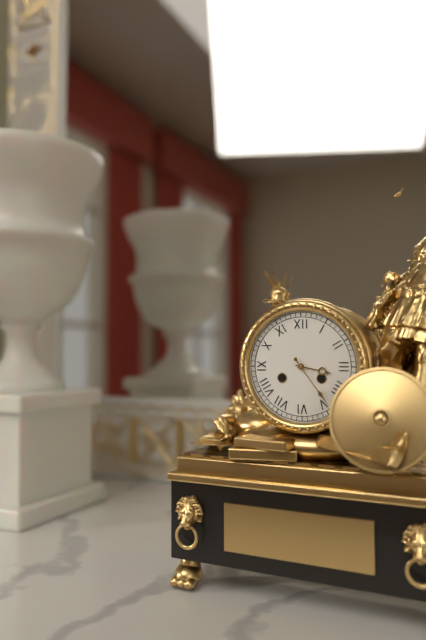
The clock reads 3 h 24 min
